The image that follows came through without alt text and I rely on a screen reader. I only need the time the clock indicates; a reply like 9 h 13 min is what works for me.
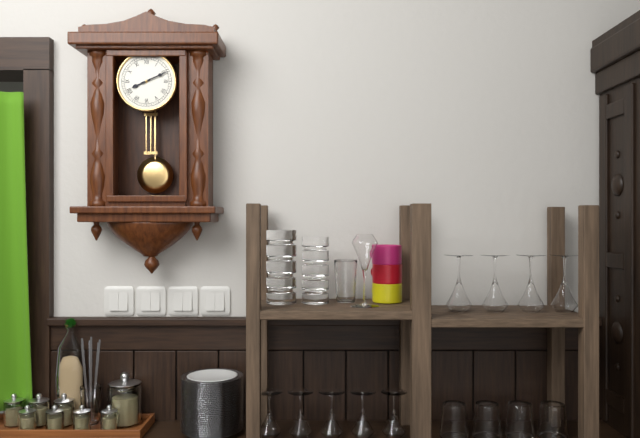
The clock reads 8 h 11 min
